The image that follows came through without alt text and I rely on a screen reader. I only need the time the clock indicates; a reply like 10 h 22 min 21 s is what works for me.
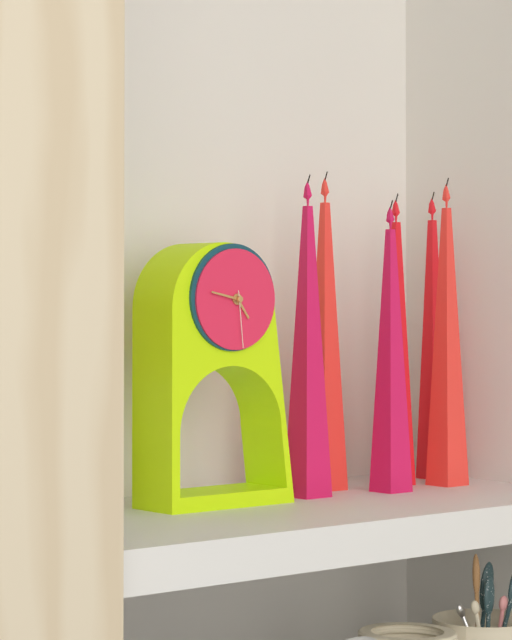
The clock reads 4 h 47 min 29 s
